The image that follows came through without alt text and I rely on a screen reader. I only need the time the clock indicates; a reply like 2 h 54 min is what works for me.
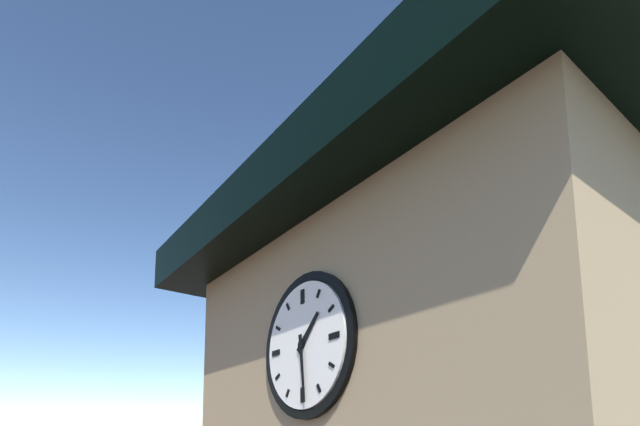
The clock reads 1 h 29 min
